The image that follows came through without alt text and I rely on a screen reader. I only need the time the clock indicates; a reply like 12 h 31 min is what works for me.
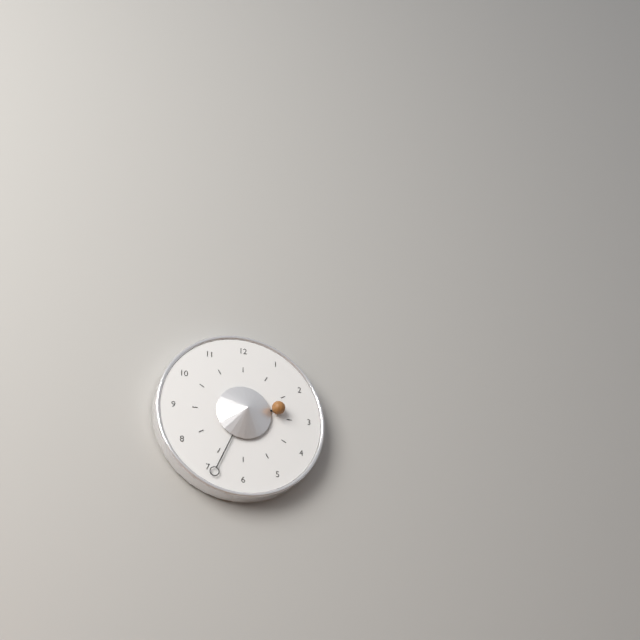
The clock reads 2 h 34 min
